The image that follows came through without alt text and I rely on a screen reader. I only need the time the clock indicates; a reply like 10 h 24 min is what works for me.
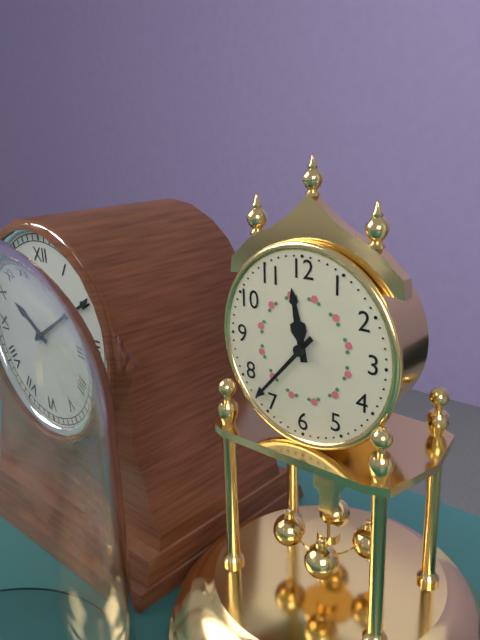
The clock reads 11 h 37 min
